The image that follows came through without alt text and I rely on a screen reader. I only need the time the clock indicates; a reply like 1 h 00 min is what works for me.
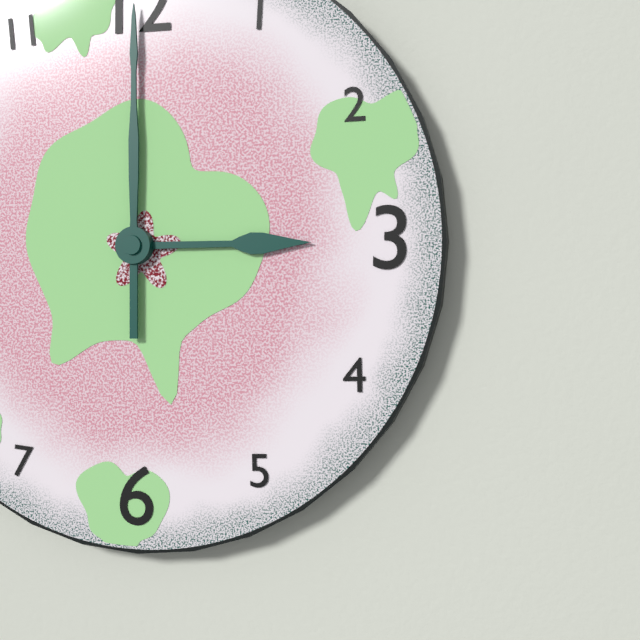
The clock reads 3 h 00 min
